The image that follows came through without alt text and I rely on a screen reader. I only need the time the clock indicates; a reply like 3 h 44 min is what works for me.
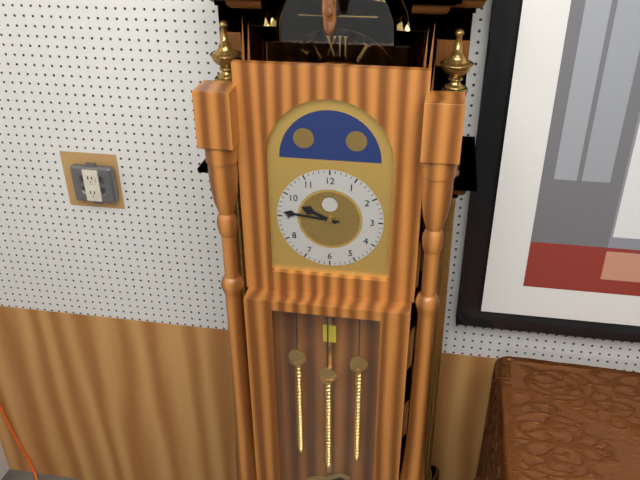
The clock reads 9 h 46 min
